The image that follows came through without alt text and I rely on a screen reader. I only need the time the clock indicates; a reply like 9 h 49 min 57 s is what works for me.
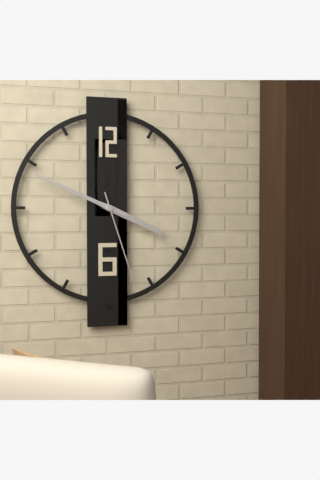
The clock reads 3 h 49 min 27 s
